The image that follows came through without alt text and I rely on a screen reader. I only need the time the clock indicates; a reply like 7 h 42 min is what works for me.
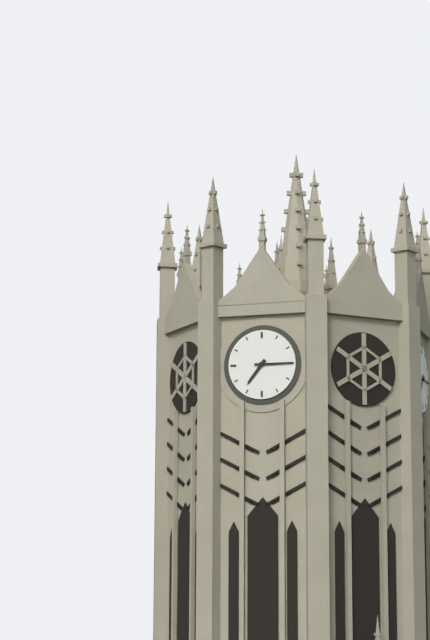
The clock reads 7 h 15 min
